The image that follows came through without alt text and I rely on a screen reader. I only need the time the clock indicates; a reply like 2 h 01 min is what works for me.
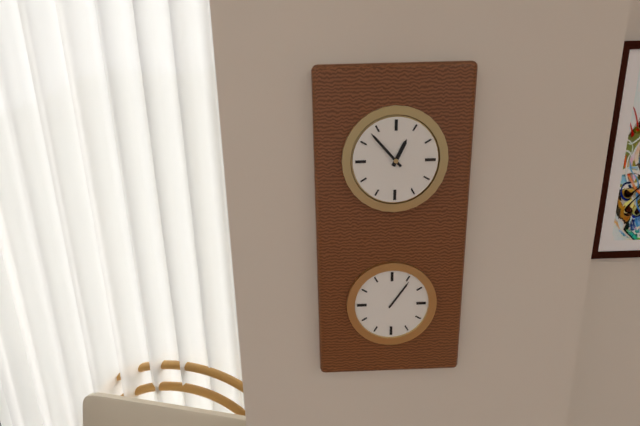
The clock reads 12 h 53 min
